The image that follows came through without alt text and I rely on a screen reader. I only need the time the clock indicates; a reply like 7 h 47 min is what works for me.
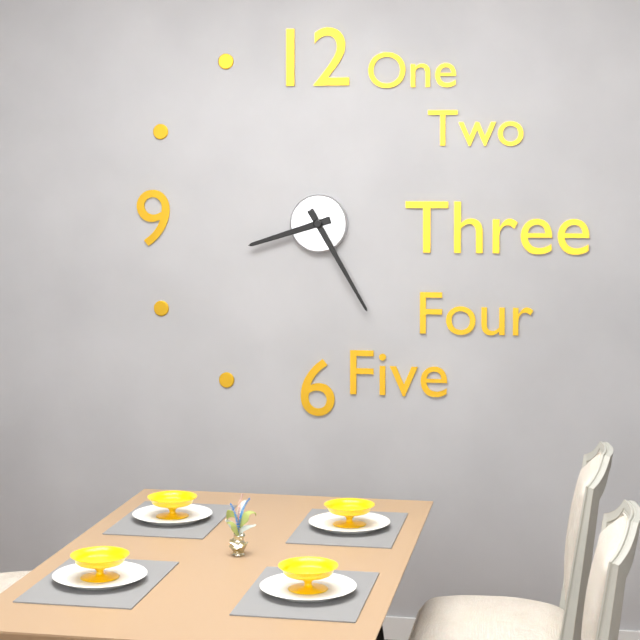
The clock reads 8 h 25 min
